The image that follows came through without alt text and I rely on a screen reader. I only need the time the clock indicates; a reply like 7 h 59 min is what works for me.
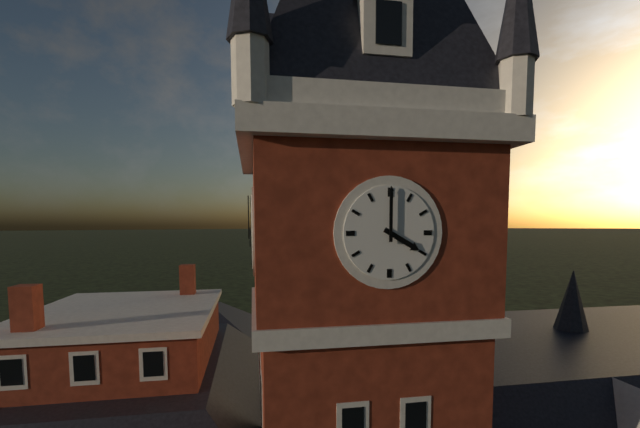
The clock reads 4 h 00 min
